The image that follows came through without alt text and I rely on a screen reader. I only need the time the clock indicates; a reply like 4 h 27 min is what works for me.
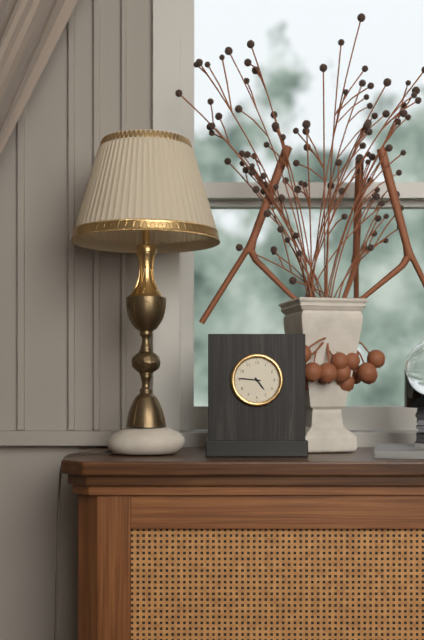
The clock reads 4 h 46 min
